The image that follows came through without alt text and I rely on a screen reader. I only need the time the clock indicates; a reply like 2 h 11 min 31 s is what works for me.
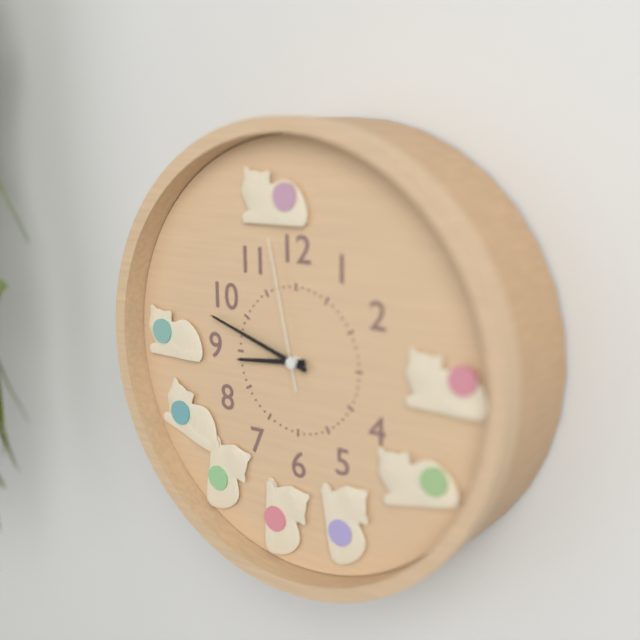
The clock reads 8 h 48 min 58 s
